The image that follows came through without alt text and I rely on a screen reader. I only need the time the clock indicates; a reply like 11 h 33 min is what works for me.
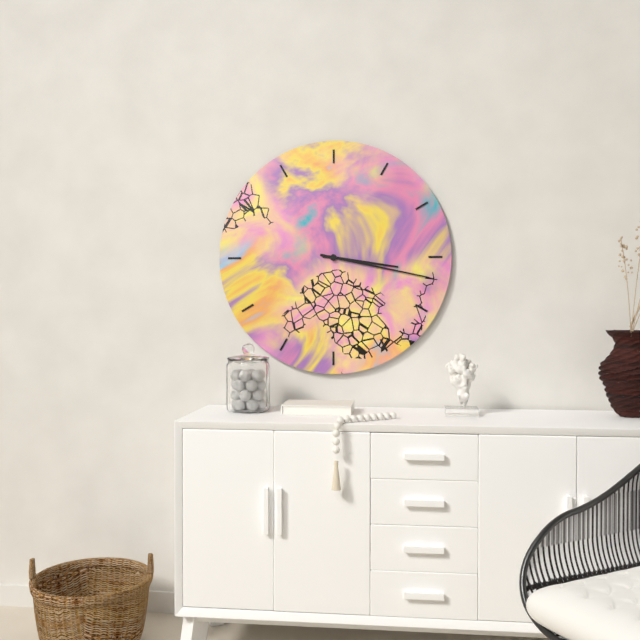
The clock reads 3 h 17 min
